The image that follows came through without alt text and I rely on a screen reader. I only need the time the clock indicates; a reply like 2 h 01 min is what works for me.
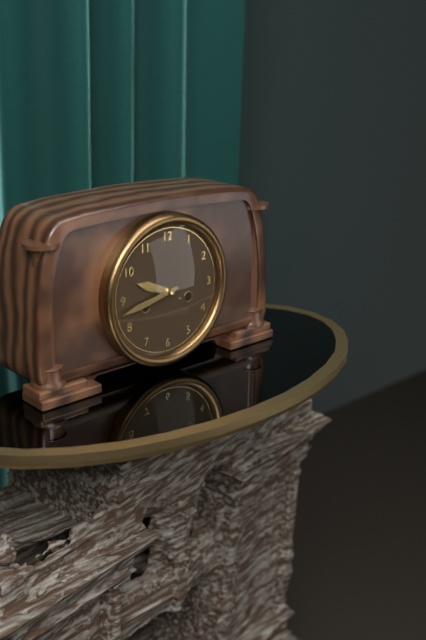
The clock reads 9 h 43 min
